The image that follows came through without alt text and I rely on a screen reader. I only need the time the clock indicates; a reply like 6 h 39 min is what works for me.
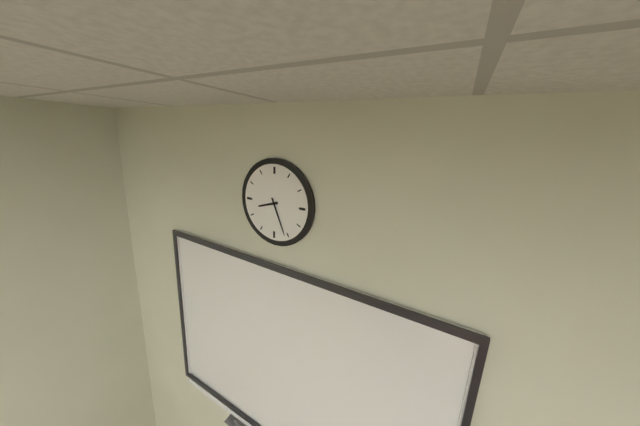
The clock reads 8 h 26 min
